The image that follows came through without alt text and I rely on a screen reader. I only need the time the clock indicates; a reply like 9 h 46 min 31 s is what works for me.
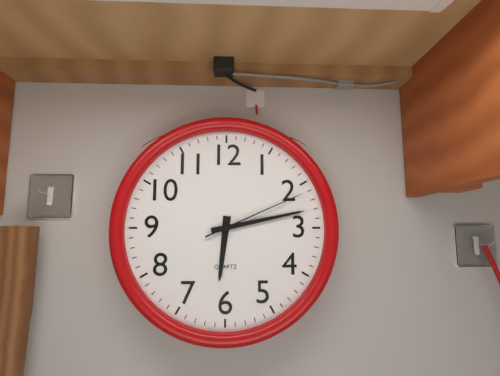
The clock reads 6 h 13 min 11 s
